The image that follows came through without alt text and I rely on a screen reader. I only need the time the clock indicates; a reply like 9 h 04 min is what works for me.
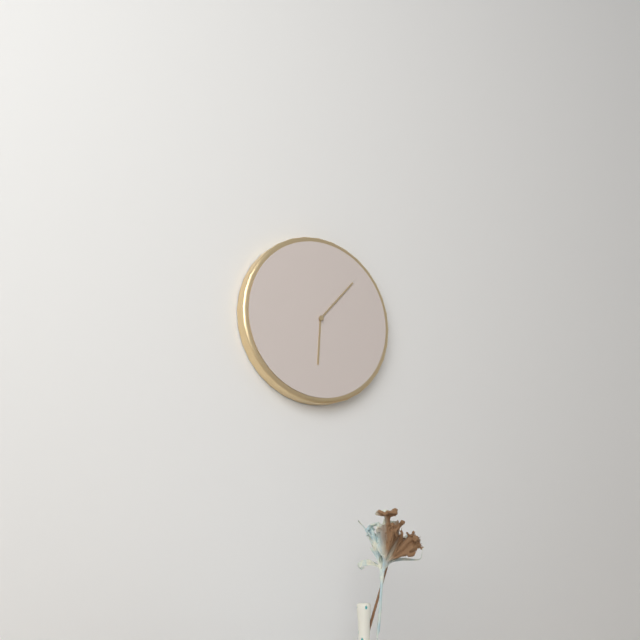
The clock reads 6 h 07 min
